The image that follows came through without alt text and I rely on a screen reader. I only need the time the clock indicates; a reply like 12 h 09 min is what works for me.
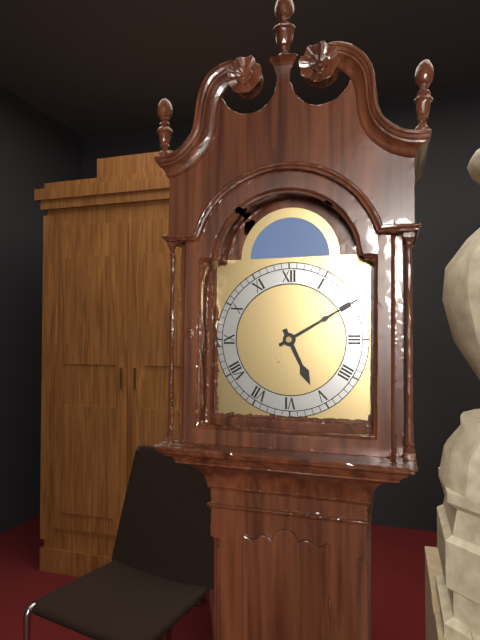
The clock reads 5 h 10 min
